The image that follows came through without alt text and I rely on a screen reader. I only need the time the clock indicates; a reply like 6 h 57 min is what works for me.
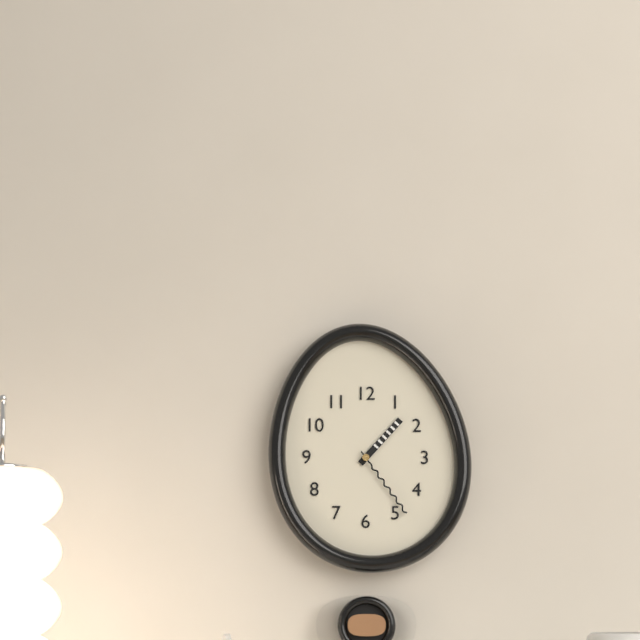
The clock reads 1 h 24 min
